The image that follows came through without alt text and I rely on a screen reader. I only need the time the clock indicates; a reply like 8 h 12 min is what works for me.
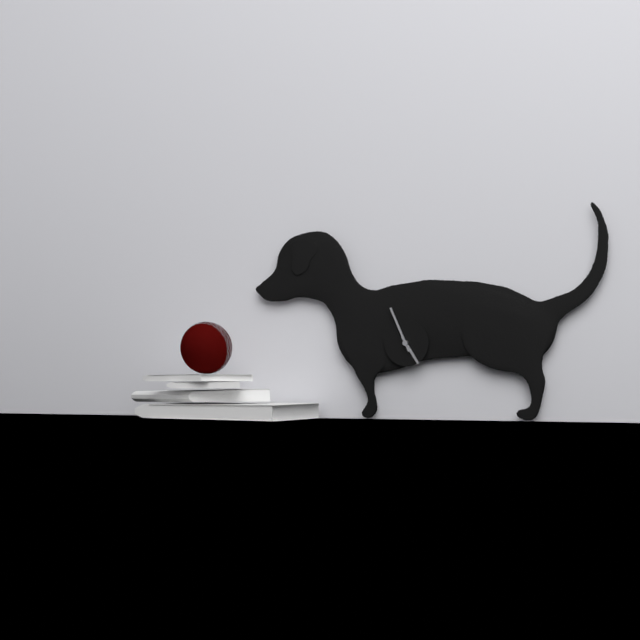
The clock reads 4 h 56 min
